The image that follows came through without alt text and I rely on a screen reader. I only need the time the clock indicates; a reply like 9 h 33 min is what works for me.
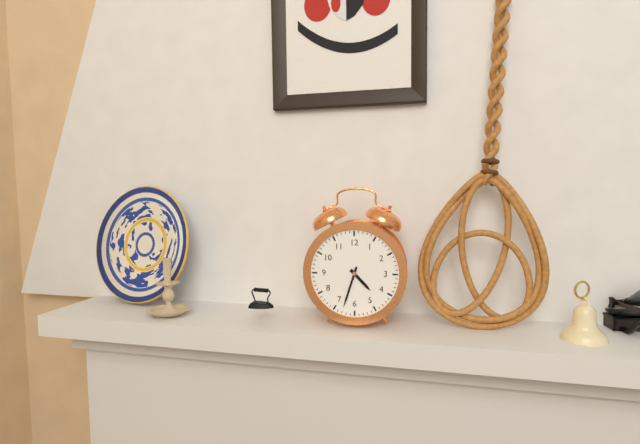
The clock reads 4 h 33 min
